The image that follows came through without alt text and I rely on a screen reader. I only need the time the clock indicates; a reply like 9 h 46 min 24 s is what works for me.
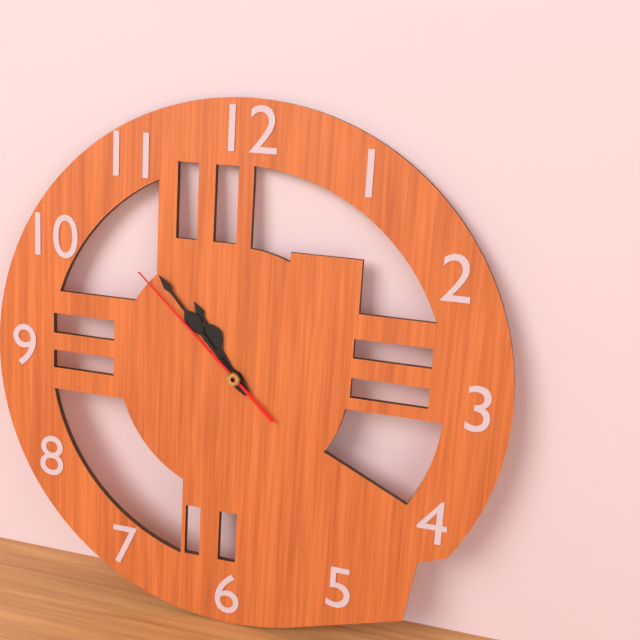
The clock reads 10 h 53 min 52 s
